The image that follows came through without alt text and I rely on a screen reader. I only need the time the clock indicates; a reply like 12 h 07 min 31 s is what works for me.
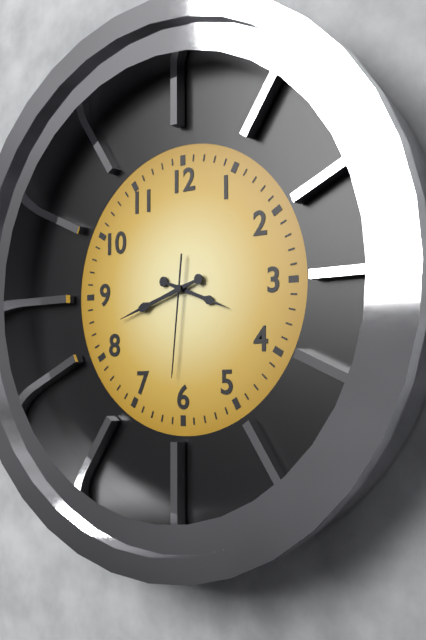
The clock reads 3 h 42 min 31 s
